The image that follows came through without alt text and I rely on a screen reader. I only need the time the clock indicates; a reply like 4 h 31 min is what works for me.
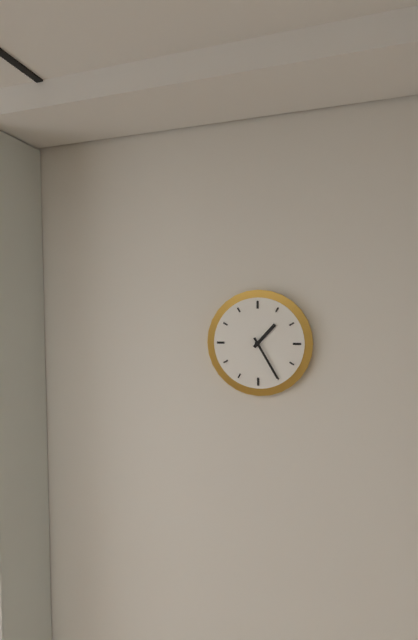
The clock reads 1 h 25 min
